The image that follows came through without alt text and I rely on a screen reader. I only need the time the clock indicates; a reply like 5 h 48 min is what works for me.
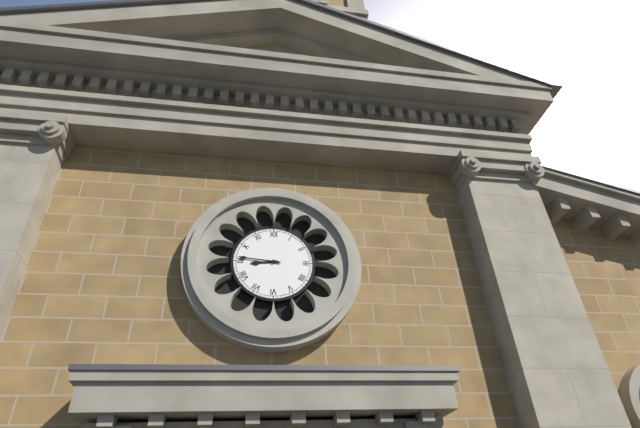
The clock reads 8 h 46 min
